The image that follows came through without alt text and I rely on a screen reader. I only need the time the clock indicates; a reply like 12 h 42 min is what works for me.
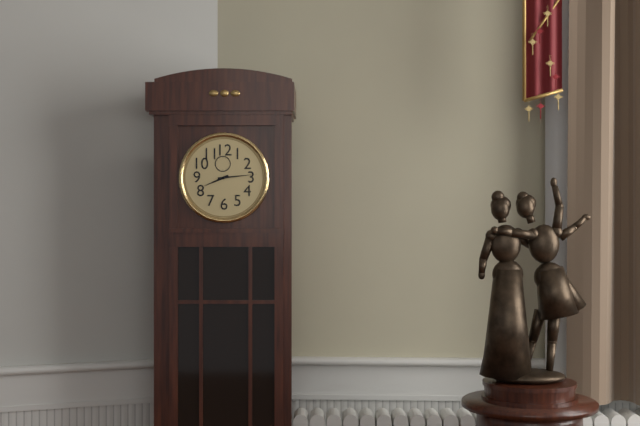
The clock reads 8 h 14 min
